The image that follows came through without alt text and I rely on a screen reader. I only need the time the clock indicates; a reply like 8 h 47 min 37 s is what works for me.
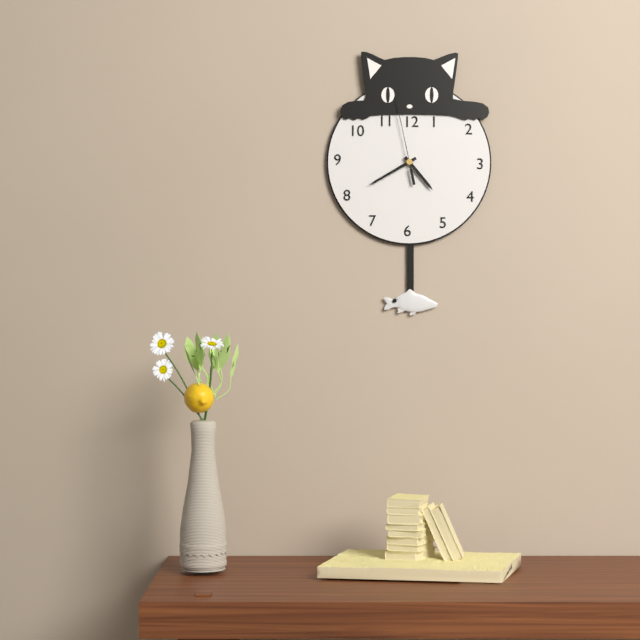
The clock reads 4 h 40 min 58 s
